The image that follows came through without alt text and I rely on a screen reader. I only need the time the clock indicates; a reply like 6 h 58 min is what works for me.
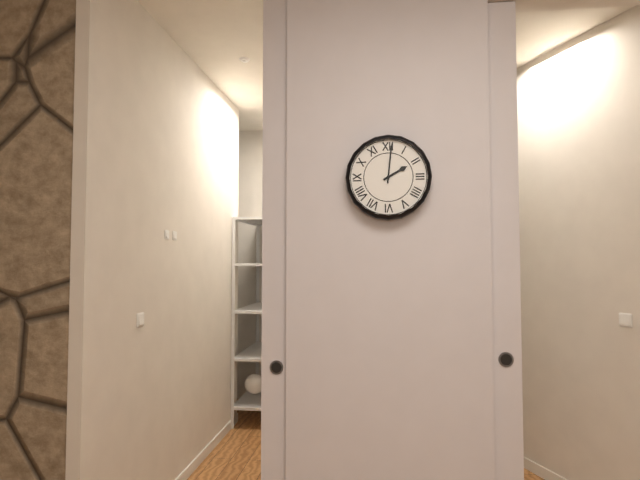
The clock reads 2 h 01 min
